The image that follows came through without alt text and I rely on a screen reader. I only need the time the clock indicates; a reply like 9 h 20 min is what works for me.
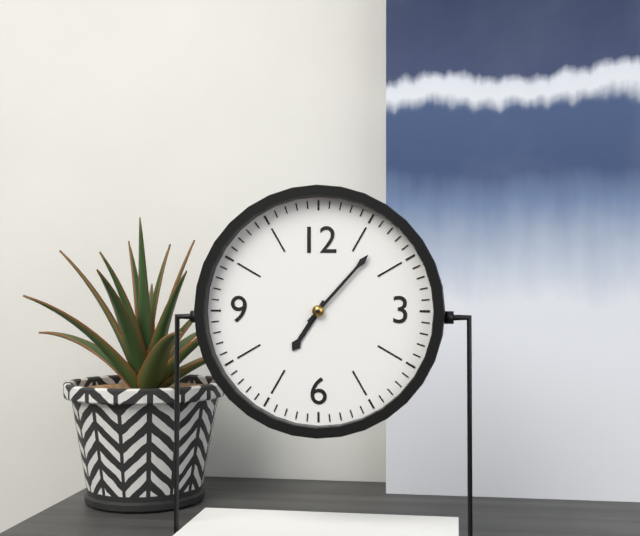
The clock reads 7 h 07 min
